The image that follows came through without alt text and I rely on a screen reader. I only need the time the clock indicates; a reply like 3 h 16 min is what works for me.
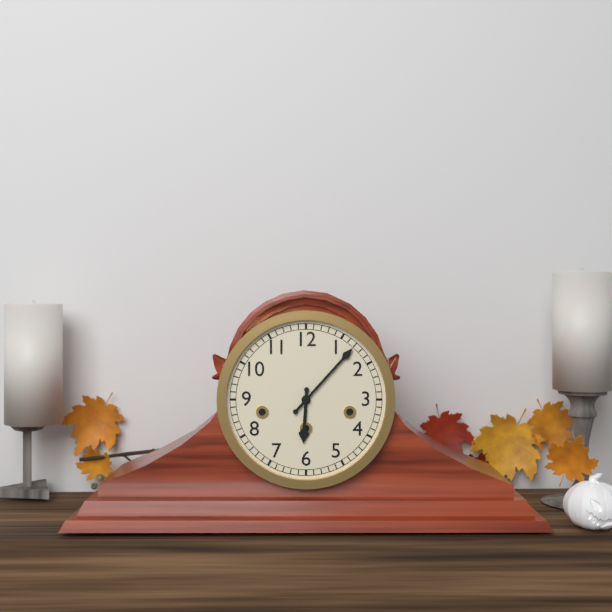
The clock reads 6 h 07 min
